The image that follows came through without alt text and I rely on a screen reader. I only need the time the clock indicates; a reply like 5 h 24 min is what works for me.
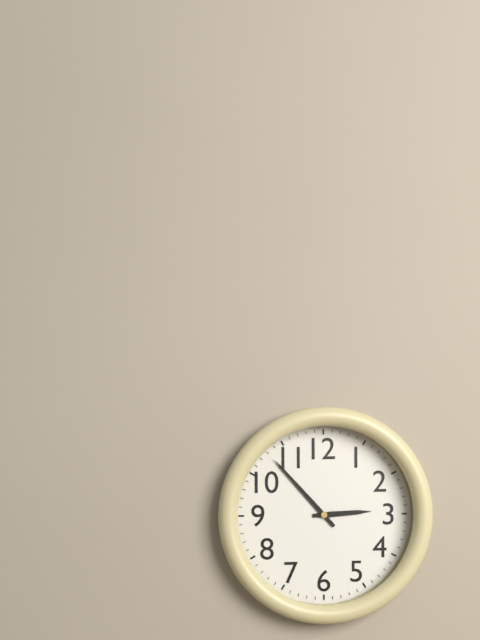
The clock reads 2 h 53 min
